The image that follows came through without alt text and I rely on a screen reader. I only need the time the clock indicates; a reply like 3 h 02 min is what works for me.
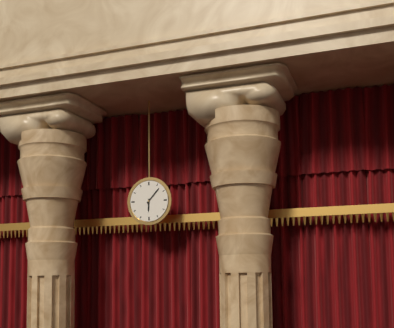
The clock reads 6 h 07 min
